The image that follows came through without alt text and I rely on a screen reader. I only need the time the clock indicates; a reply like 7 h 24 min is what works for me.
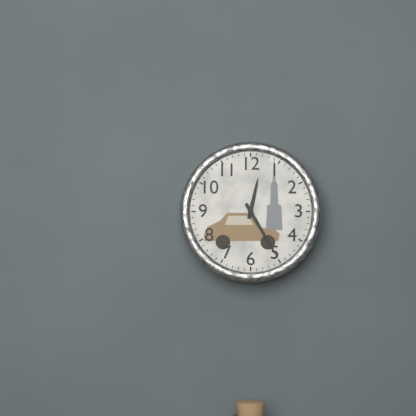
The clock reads 12 h 25 min
